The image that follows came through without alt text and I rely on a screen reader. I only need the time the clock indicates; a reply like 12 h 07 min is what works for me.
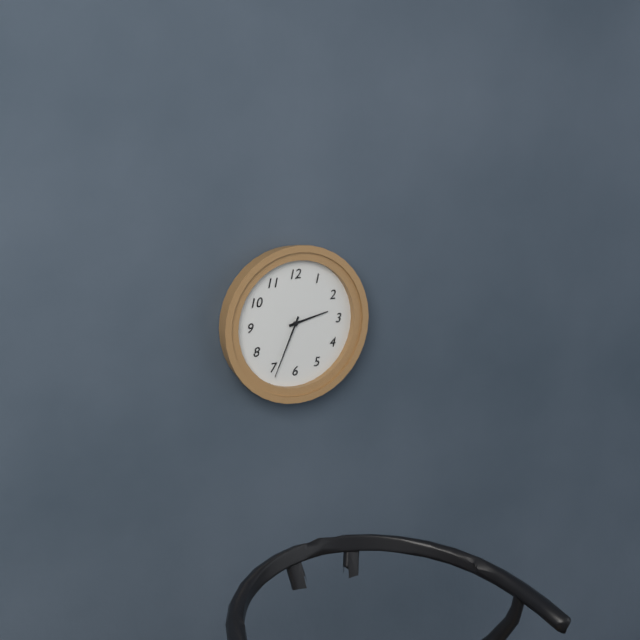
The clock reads 2 h 34 min
